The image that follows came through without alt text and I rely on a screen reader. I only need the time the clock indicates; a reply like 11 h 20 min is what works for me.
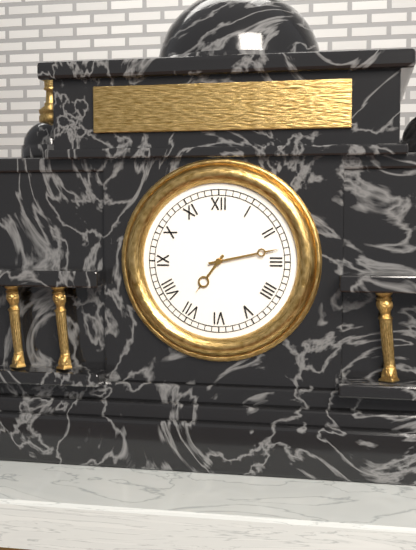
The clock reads 7 h 13 min
